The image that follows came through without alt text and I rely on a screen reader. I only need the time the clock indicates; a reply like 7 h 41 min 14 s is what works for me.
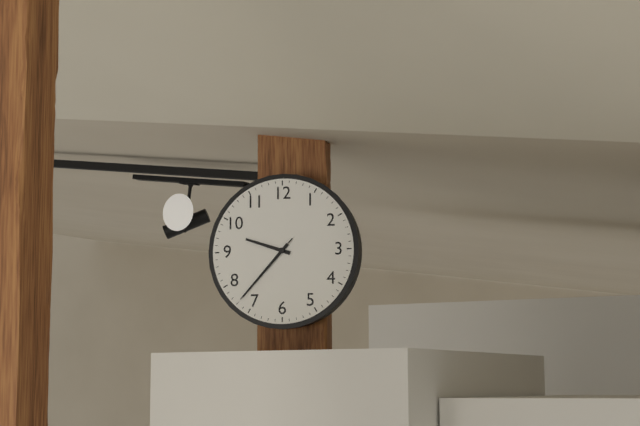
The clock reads 9 h 37 min 37 s
